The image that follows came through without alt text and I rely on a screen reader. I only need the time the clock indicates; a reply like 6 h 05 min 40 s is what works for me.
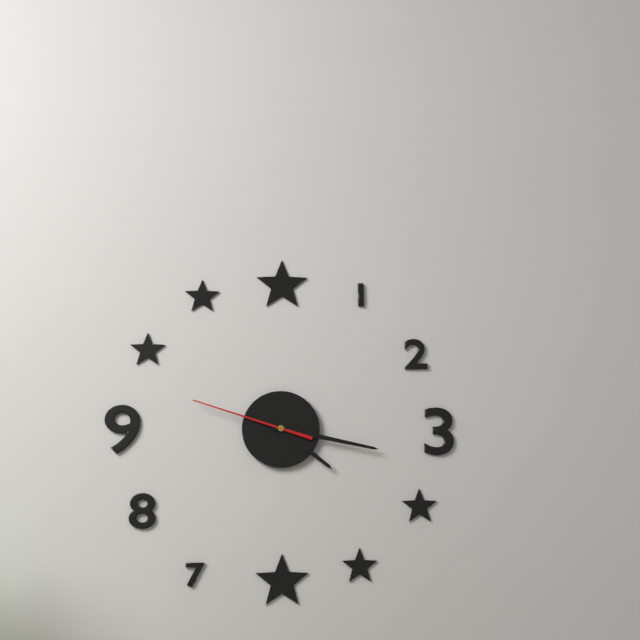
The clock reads 4 h 17 min 48 s
